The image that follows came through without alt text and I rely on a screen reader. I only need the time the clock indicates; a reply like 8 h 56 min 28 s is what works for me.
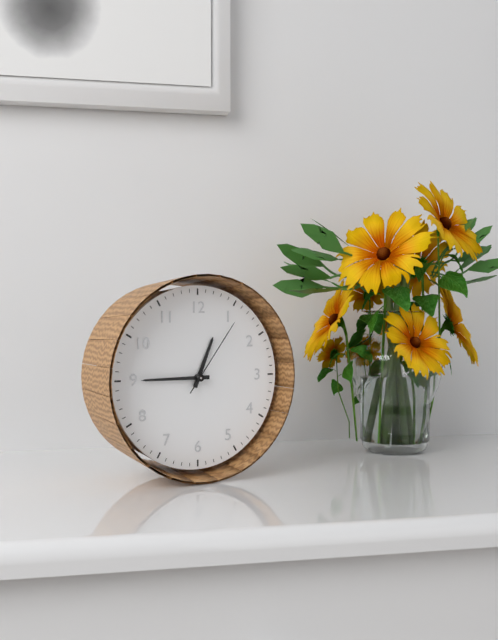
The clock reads 12 h 45 min 06 s
